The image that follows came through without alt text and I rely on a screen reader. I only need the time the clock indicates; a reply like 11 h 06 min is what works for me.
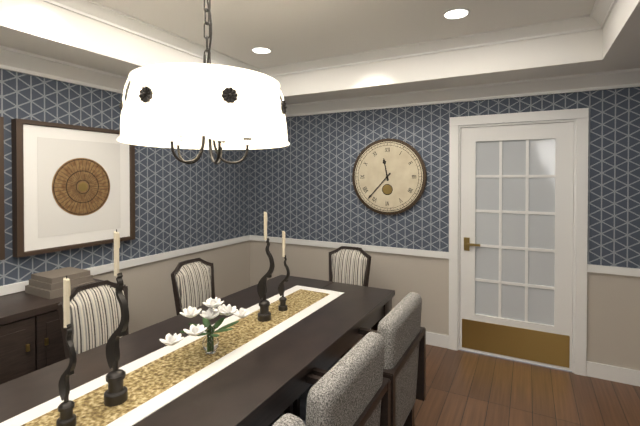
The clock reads 11 h 37 min
